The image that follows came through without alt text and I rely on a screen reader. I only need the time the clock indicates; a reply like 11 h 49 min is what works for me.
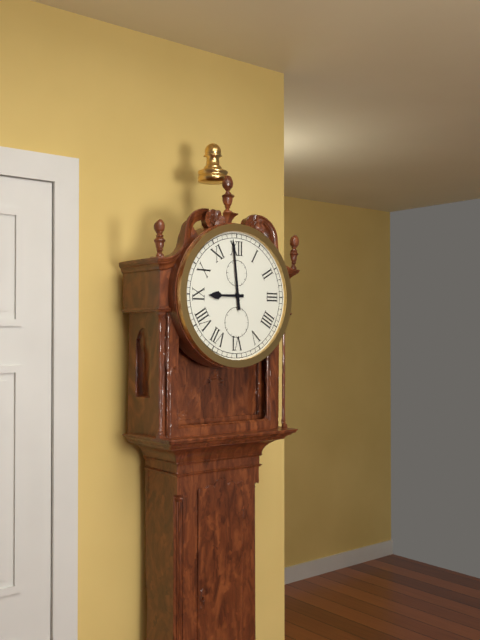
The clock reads 8 h 59 min
